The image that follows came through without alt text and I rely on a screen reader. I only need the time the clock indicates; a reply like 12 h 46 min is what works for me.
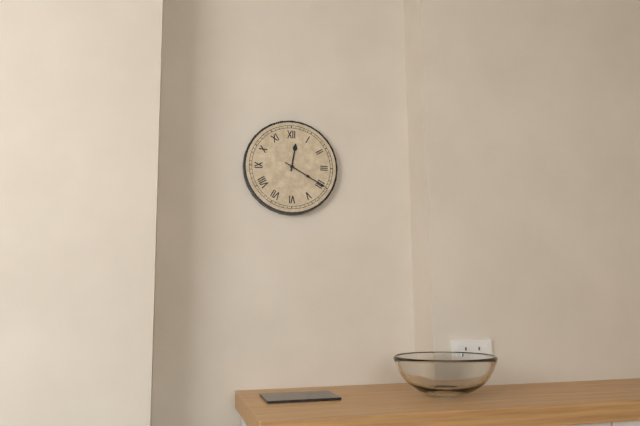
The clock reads 12 h 20 min
